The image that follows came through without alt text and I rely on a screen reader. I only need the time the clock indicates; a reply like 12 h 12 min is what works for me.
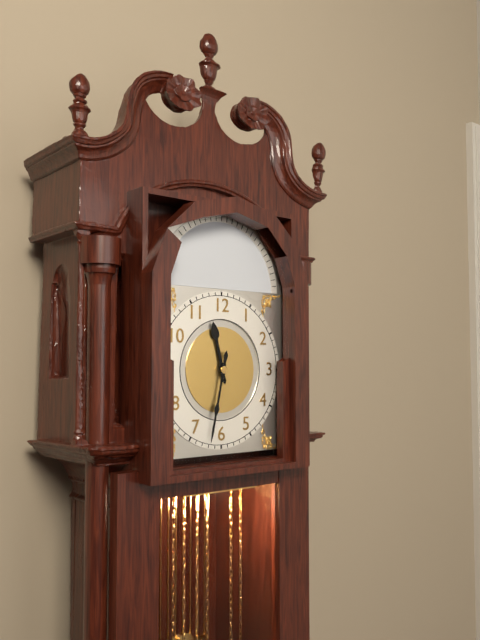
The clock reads 11 h 32 min
